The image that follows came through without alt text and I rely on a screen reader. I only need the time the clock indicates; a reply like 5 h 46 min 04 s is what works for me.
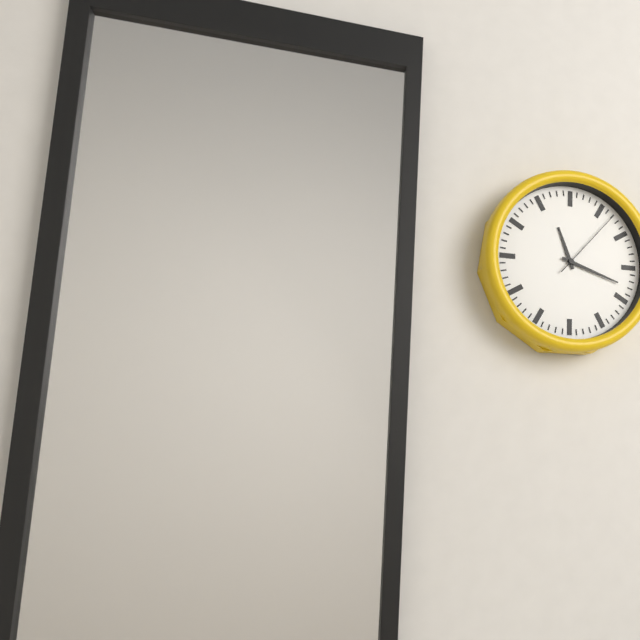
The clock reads 11 h 18 min 07 s
